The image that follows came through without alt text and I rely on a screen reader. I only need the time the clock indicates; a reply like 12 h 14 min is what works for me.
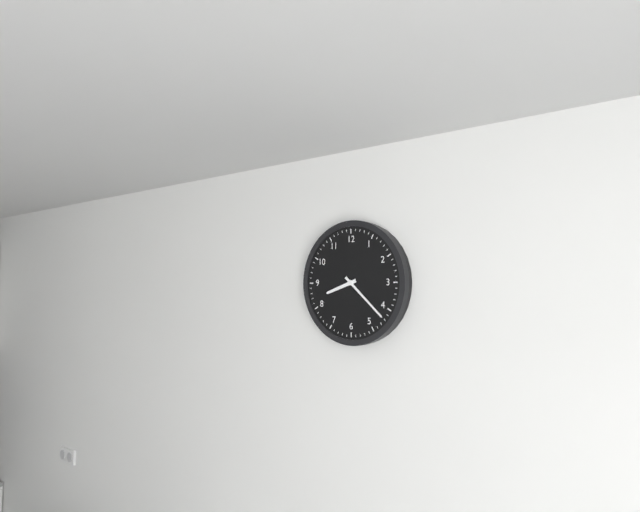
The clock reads 8 h 22 min
